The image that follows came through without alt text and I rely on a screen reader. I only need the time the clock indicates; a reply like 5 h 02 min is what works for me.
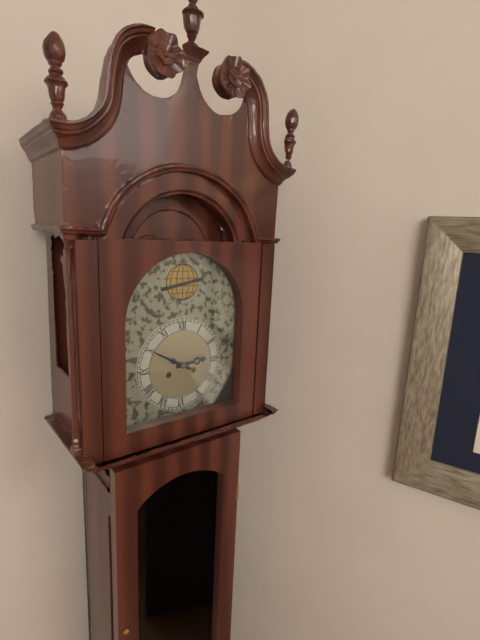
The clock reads 2 h 50 min
